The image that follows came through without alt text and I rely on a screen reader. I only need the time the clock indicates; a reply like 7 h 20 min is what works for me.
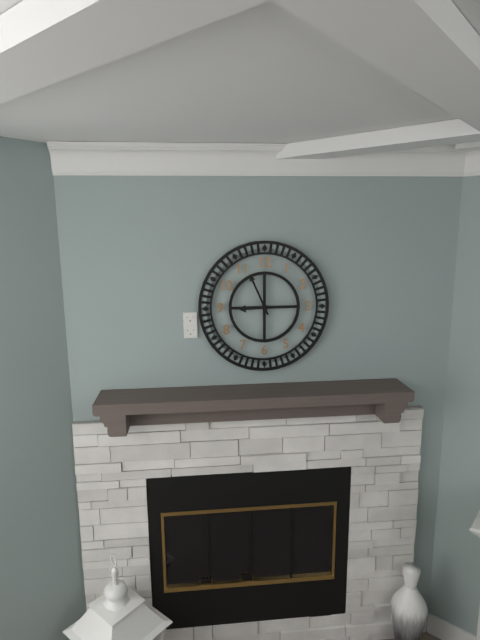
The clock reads 8 h 56 min
